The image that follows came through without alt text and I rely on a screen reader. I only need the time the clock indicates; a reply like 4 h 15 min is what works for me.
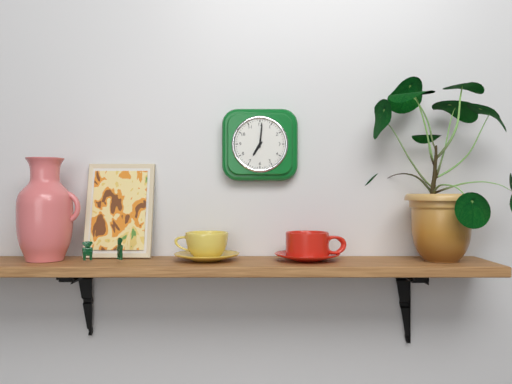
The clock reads 7 h 01 min
